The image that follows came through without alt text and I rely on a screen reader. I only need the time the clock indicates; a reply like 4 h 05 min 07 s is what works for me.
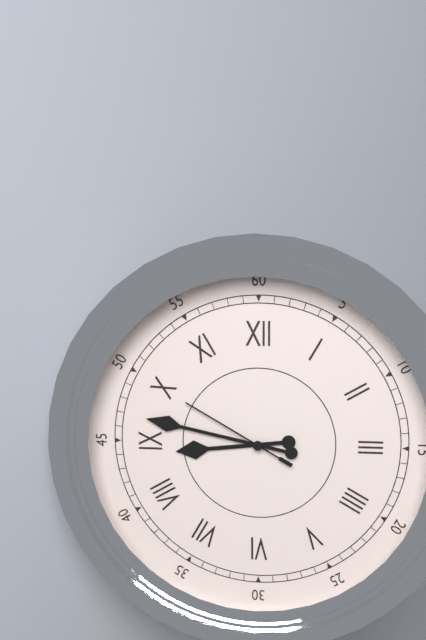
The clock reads 8 h 47 min 50 s
